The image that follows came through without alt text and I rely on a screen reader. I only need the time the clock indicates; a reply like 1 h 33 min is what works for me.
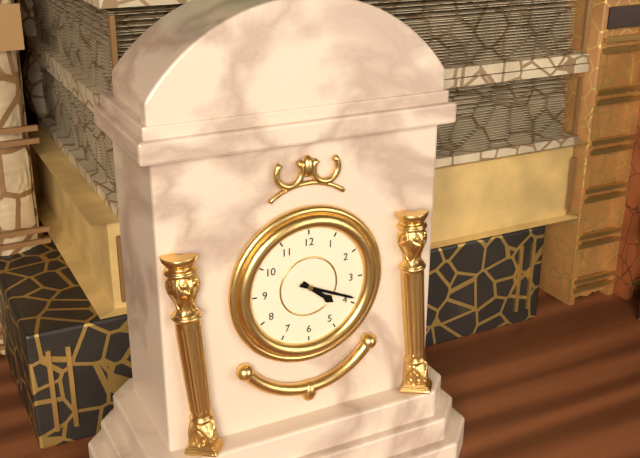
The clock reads 4 h 19 min
